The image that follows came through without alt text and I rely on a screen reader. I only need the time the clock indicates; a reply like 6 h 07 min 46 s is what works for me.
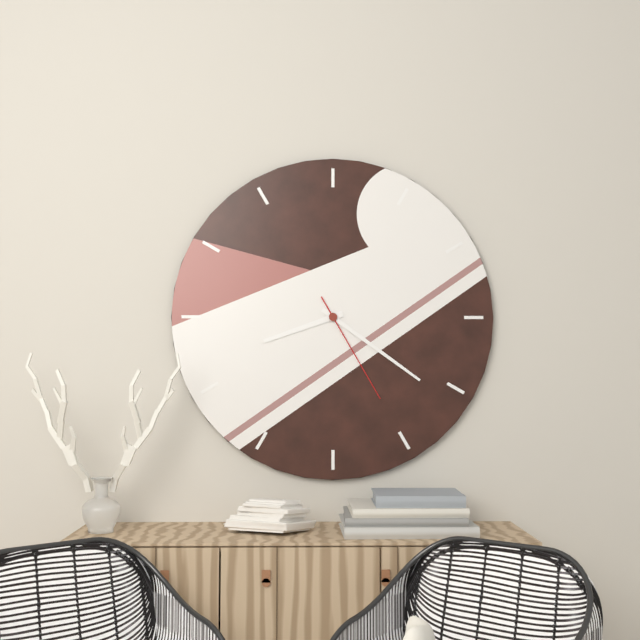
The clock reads 8 h 21 min 25 s
